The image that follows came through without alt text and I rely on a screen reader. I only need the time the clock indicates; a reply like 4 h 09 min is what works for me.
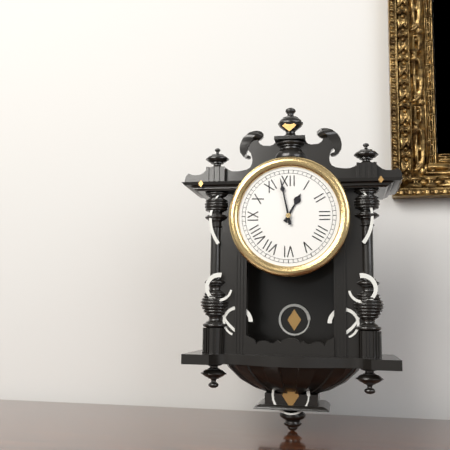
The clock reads 12 h 58 min
